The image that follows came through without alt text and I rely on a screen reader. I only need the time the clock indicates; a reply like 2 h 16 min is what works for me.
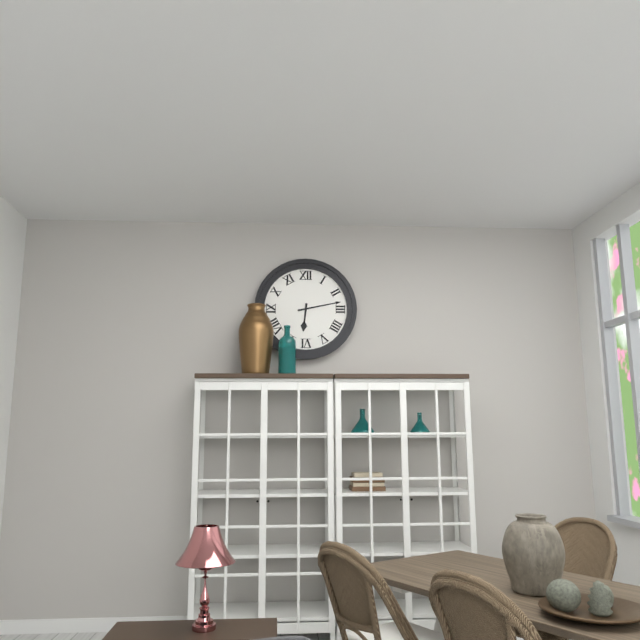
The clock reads 6 h 13 min
